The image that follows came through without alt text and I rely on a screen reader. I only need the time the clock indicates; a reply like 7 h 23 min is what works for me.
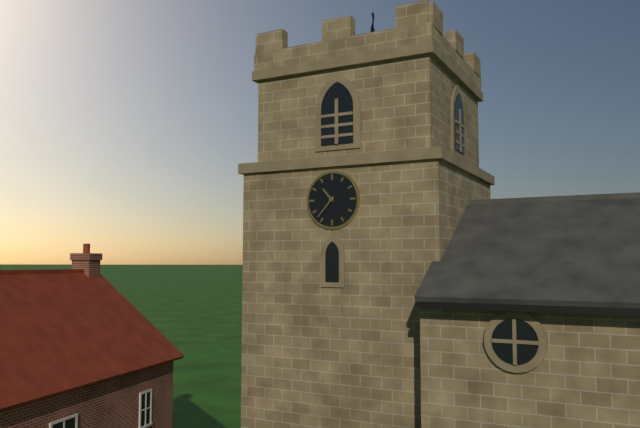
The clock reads 10 h 37 min
